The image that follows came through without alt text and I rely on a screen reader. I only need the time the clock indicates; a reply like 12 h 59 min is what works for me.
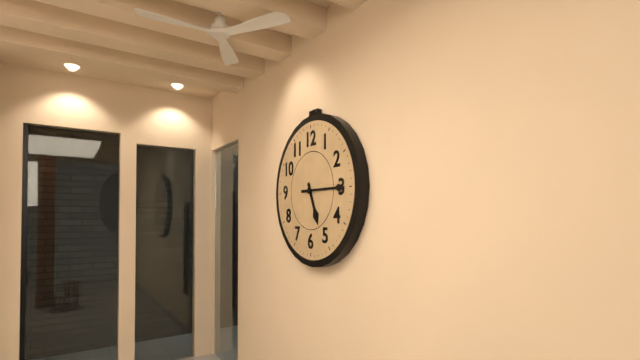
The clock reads 5 h 15 min
